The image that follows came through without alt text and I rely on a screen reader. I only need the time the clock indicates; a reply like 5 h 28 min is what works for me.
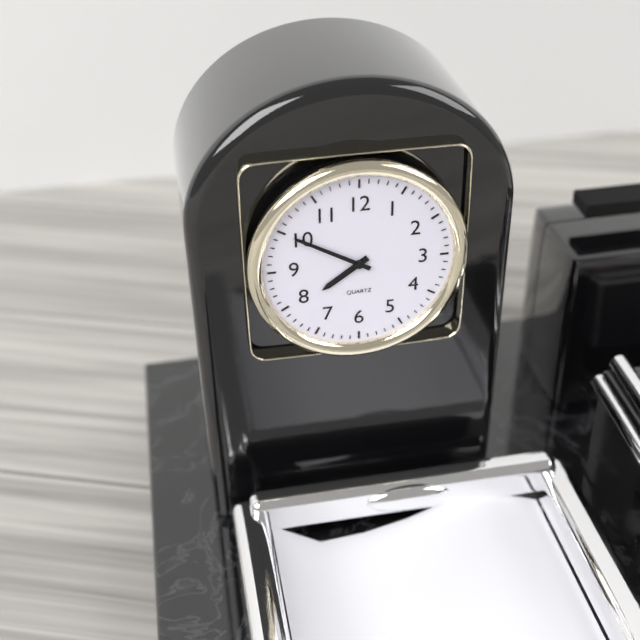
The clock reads 7 h 50 min
